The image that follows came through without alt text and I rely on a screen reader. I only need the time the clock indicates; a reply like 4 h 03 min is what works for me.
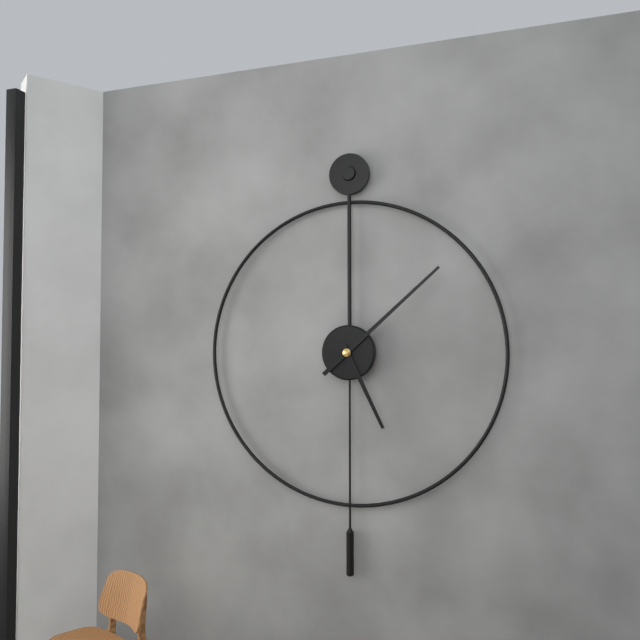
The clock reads 5 h 08 min
